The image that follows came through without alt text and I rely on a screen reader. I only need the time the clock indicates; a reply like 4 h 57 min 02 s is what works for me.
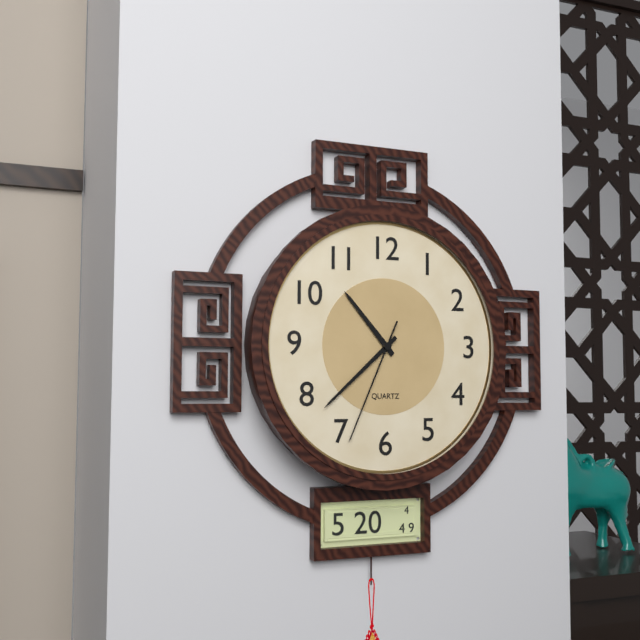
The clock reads 10 h 38 min 34 s
